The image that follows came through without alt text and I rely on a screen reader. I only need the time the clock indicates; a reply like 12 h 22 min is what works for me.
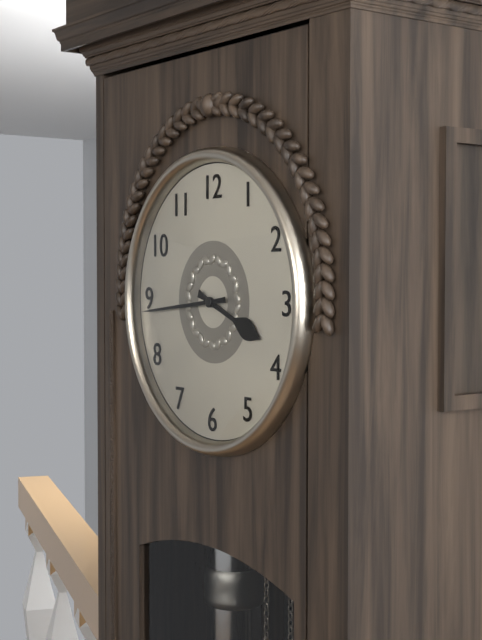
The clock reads 3 h 44 min
